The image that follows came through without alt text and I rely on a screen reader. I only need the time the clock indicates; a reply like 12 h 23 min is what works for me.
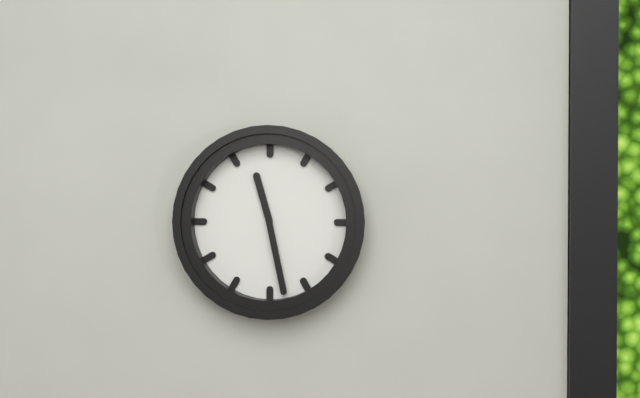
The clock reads 11 h 28 min
